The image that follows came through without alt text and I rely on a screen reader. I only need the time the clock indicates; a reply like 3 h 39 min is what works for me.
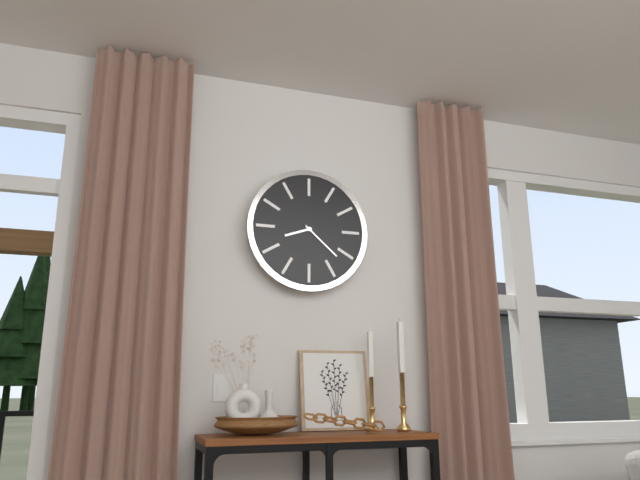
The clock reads 8 h 22 min
